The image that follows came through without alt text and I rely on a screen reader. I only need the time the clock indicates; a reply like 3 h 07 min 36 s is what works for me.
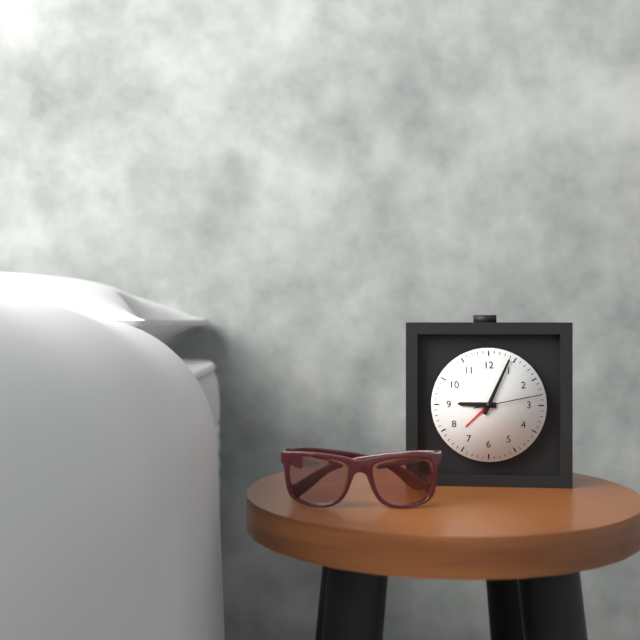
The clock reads 9 h 04 min 13 s
